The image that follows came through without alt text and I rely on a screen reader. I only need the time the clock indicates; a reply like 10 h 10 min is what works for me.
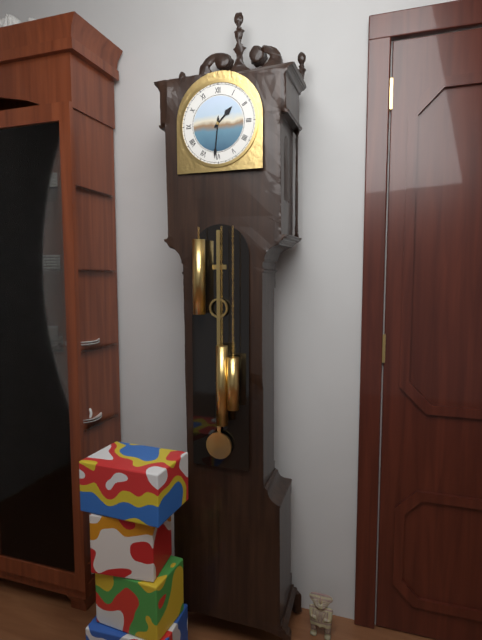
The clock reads 1 h 31 min
